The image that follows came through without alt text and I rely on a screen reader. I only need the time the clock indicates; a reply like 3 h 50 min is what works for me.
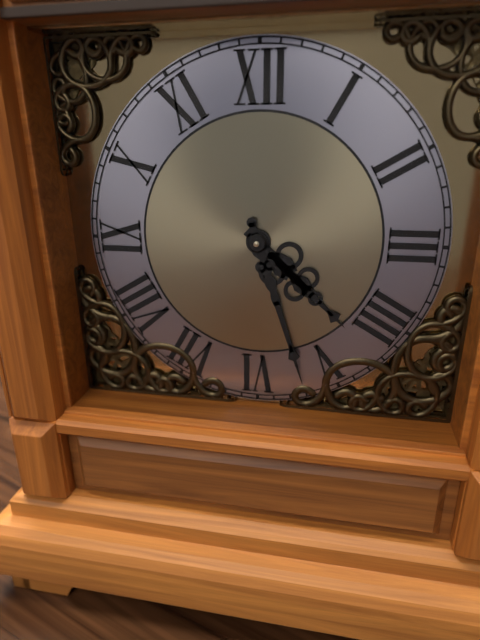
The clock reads 4 h 27 min
